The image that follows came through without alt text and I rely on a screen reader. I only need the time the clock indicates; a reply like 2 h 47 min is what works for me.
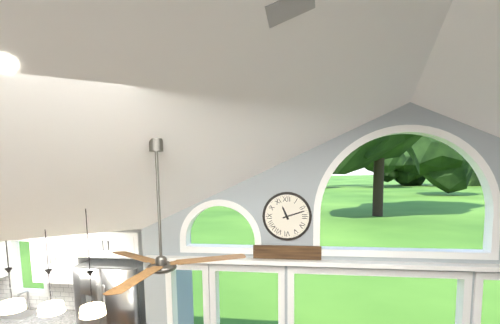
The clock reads 11 h 12 min
